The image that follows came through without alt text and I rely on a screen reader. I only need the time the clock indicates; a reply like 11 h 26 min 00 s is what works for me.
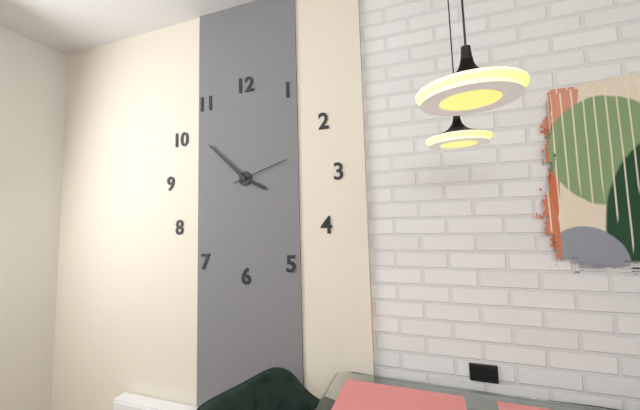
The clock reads 3 h 52 min 12 s
